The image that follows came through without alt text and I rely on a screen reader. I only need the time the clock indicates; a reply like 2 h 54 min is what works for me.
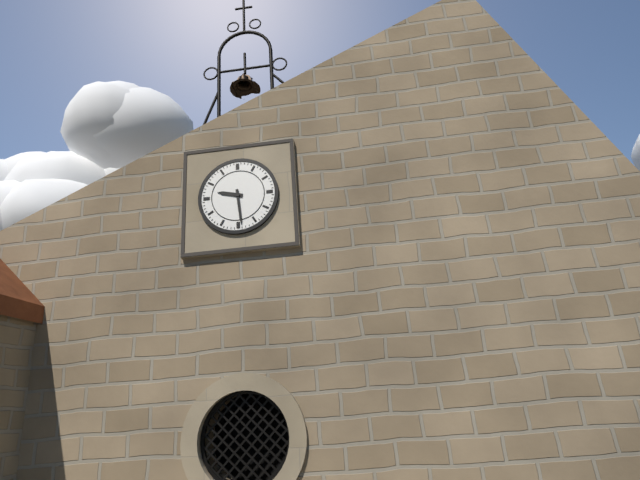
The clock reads 9 h 29 min
